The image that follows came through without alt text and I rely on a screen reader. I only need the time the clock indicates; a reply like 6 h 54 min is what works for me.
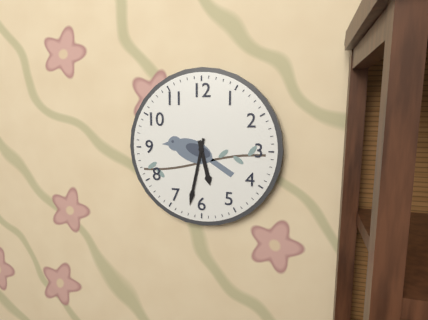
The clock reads 5 h 32 min
